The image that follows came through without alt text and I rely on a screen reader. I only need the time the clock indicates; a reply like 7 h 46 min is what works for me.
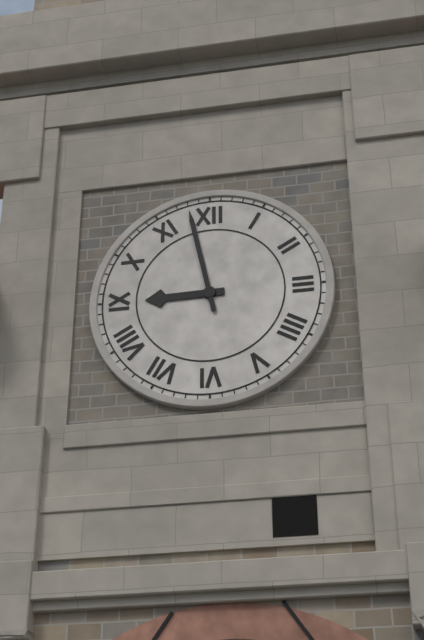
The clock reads 8 h 58 min
